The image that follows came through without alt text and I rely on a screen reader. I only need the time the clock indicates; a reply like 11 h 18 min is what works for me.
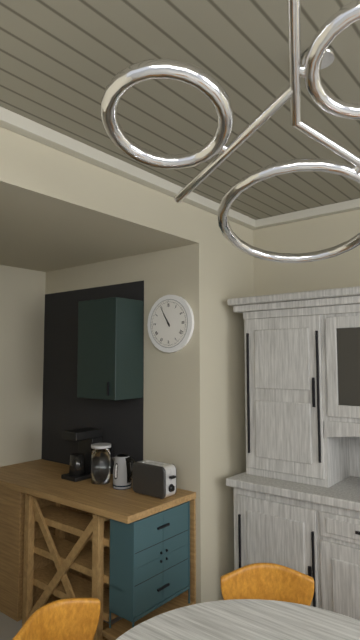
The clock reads 10 h 55 min
